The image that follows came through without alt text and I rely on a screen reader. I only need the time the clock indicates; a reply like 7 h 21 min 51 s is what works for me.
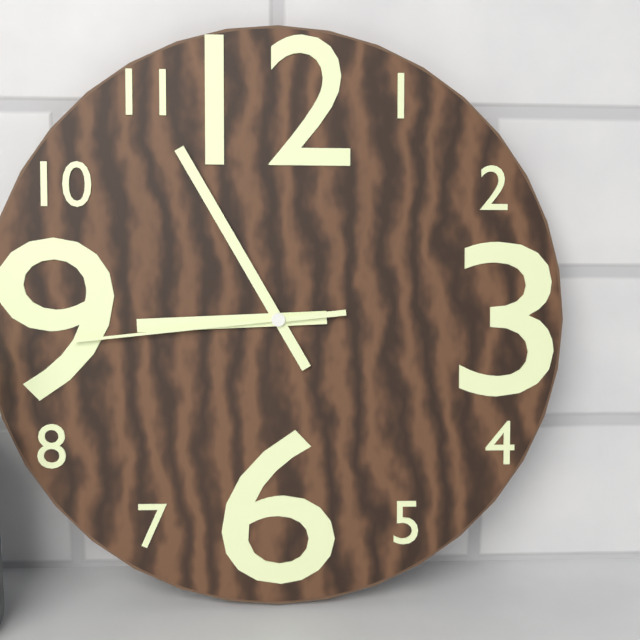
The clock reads 8 h 55 min 44 s
